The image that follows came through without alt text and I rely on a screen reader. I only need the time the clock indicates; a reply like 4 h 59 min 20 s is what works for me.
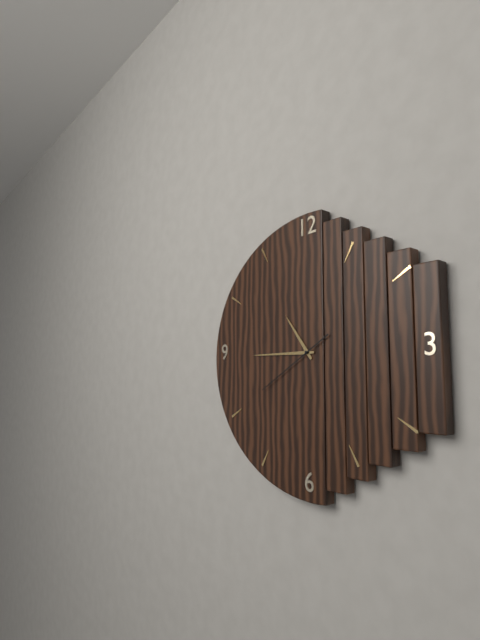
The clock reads 10 h 45 min 40 s
